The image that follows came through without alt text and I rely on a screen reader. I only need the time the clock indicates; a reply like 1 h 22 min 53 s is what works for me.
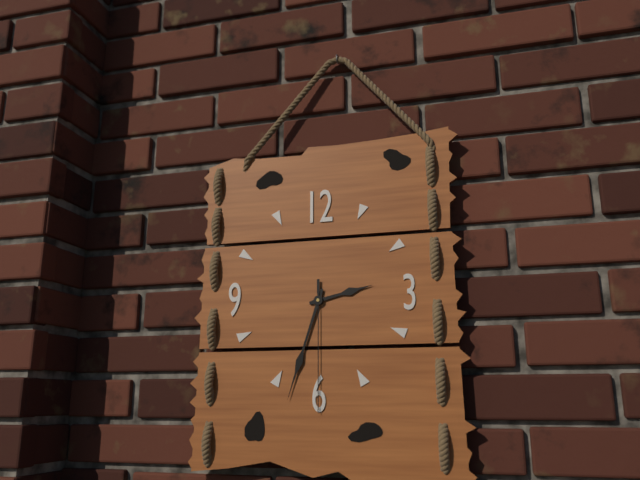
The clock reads 2 h 33 min 30 s
